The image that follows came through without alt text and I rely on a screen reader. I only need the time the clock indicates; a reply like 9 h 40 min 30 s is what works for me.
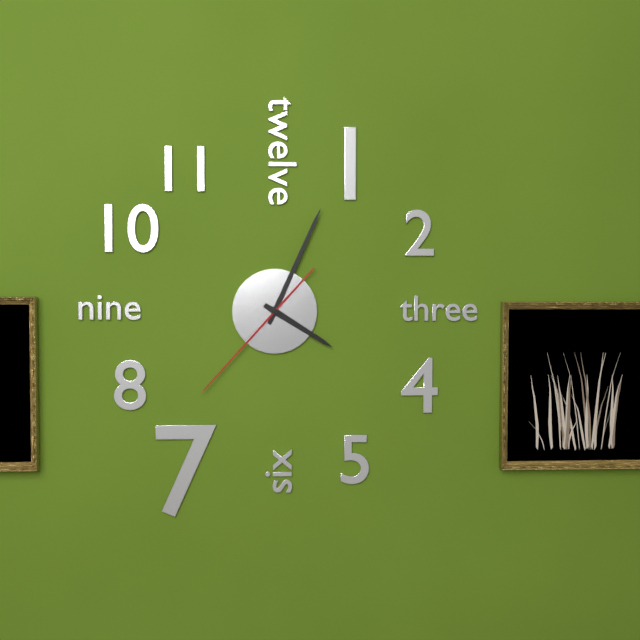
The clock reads 4 h 04 min 37 s
